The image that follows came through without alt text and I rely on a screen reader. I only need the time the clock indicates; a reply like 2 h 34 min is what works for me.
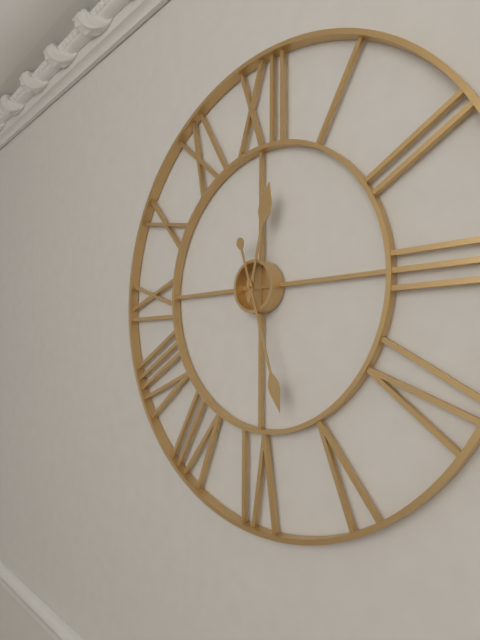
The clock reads 12 h 27 min
